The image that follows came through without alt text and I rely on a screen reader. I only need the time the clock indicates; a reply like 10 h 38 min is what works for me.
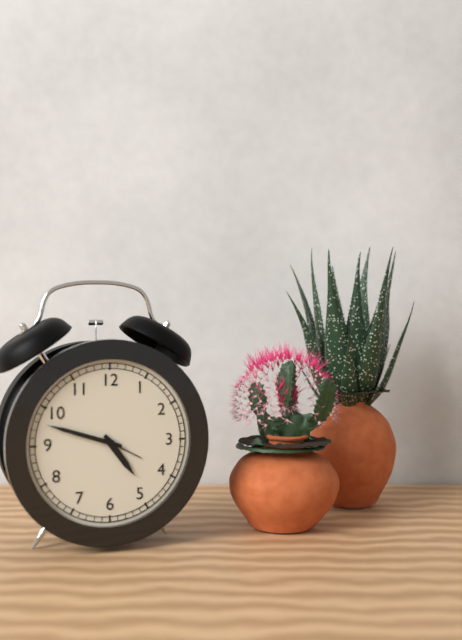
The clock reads 4 h 48 min
